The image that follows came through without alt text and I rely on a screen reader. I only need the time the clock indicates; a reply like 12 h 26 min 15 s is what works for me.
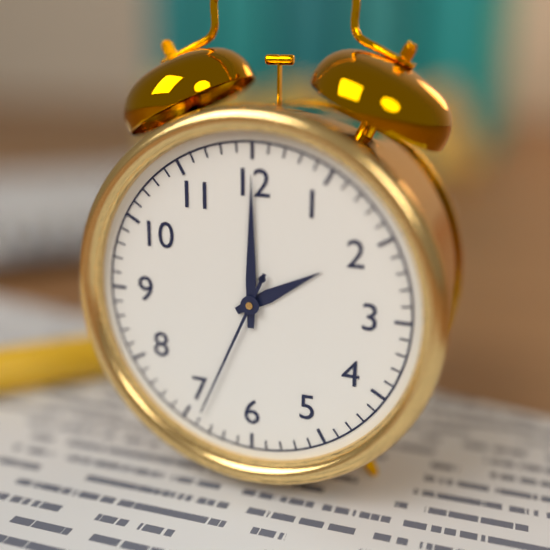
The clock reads 2 h 00 min 34 s
